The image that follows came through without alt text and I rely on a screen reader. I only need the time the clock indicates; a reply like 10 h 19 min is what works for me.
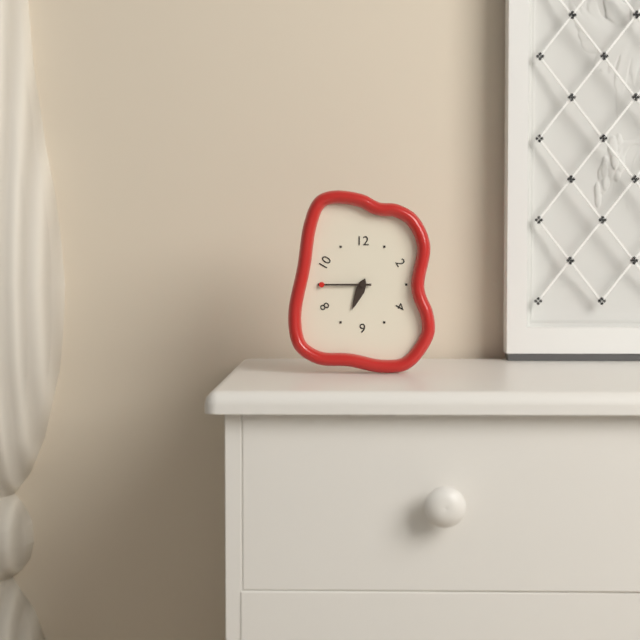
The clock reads 6 h 45 min
